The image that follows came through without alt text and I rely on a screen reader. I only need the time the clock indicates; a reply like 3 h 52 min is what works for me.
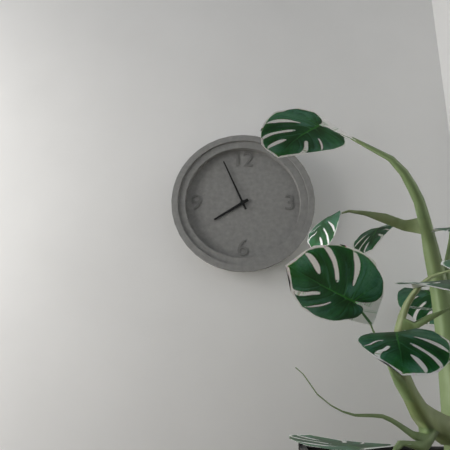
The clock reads 7 h 56 min
